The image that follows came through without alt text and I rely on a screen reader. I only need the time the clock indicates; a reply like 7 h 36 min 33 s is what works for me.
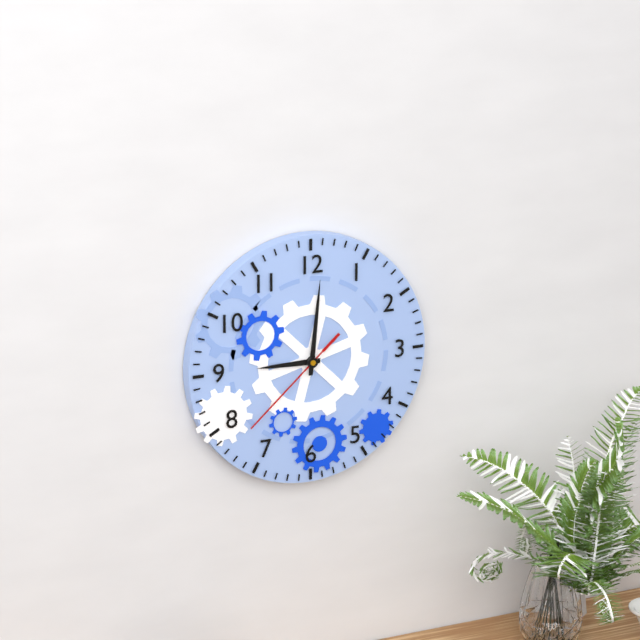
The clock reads 9 h 01 min 38 s
